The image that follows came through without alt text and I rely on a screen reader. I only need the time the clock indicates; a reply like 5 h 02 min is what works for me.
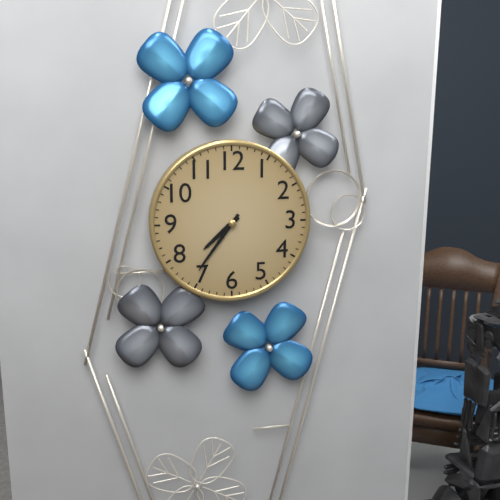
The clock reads 7 h 36 min
